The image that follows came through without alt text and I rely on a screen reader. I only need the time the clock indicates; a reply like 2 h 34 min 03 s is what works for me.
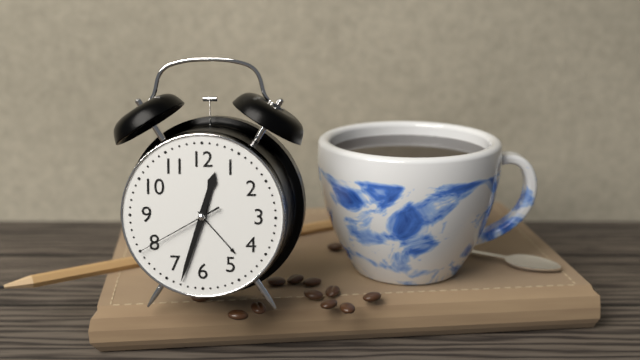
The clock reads 12 h 33 min 40 s
